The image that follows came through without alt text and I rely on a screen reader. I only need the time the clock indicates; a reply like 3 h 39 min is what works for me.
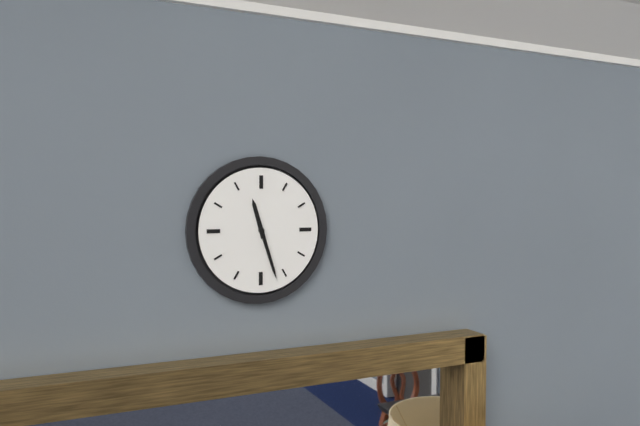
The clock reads 11 h 27 min
